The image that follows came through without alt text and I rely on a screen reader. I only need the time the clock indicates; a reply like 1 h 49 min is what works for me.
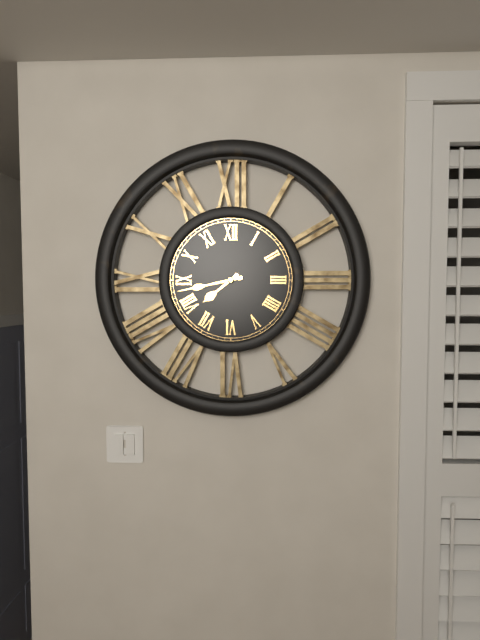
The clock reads 7 h 43 min
